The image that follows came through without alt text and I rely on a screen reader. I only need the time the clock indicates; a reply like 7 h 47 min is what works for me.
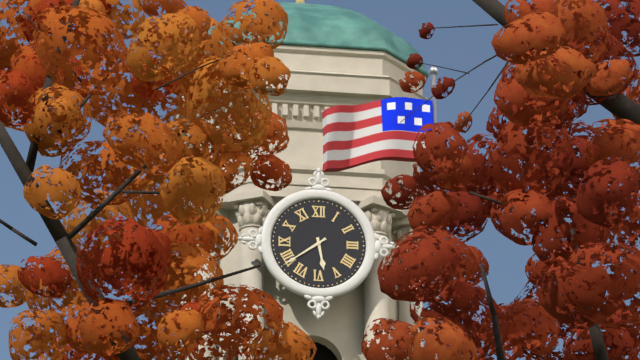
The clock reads 5 h 39 min
